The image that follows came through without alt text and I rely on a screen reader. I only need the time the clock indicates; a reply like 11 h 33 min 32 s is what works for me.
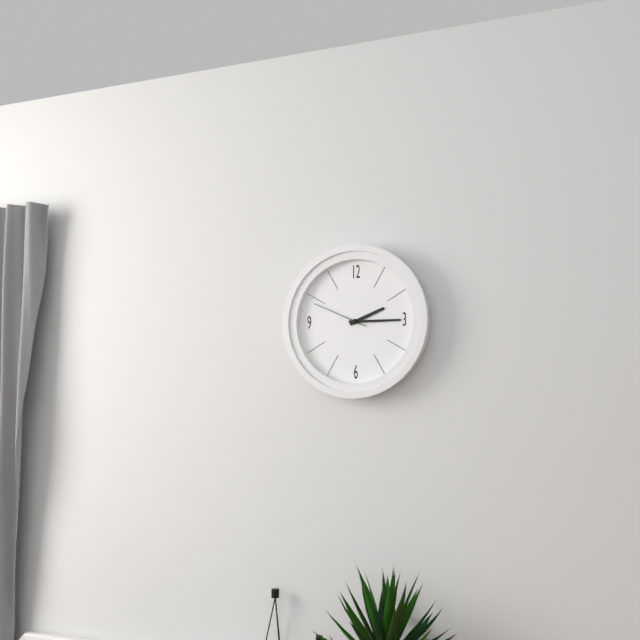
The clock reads 2 h 15 min 49 s
